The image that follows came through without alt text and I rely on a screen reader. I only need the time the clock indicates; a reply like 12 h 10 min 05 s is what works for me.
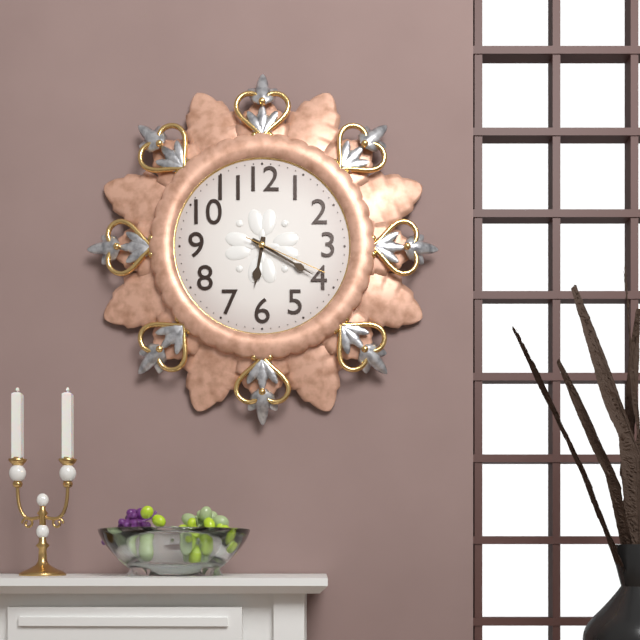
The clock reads 6 h 20 min 19 s
